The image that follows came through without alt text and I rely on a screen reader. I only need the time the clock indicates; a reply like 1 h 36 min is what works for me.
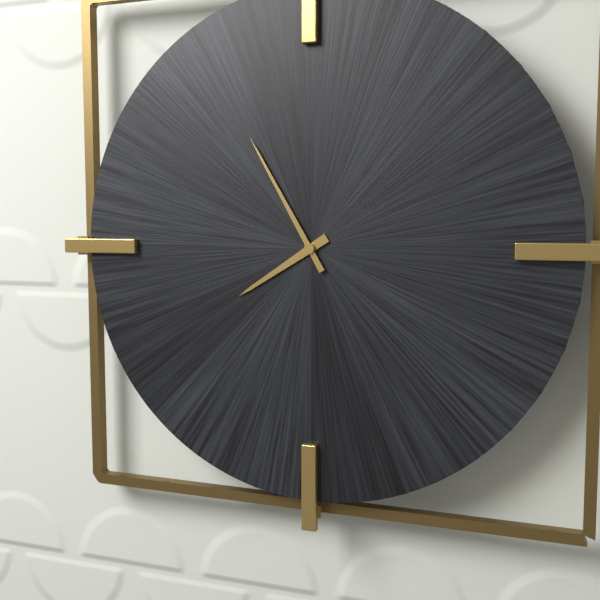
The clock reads 7 h 55 min
